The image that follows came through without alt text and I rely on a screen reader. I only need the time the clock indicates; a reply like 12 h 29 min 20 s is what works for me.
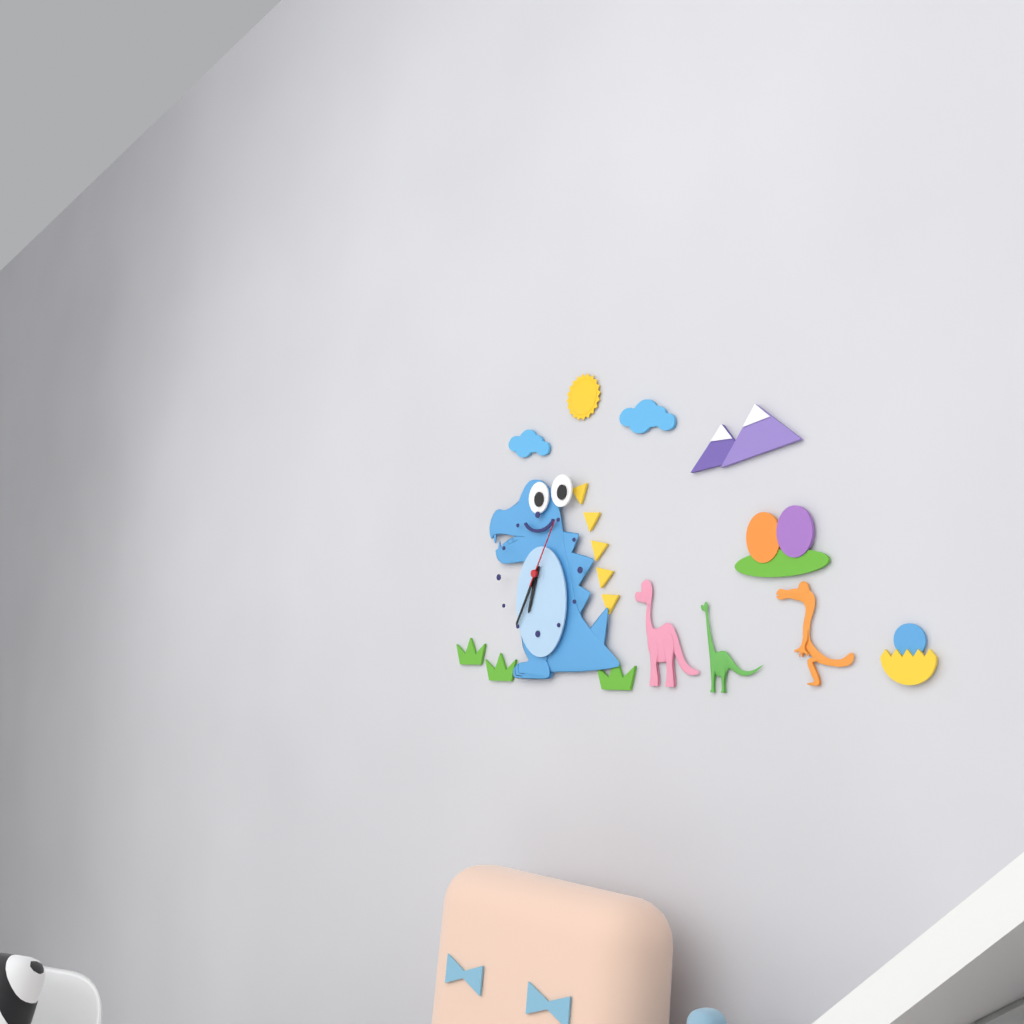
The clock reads 6 h 35 min 05 s
